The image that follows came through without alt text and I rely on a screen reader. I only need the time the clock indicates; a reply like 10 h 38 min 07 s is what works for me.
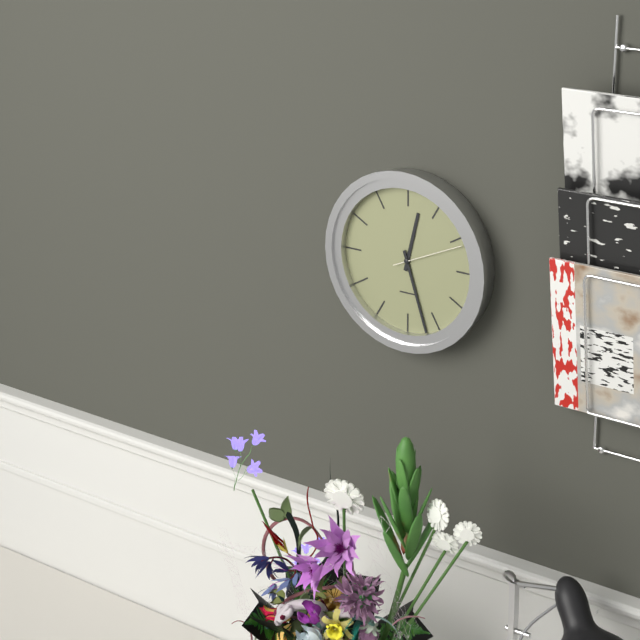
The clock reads 12 h 27 min 11 s
